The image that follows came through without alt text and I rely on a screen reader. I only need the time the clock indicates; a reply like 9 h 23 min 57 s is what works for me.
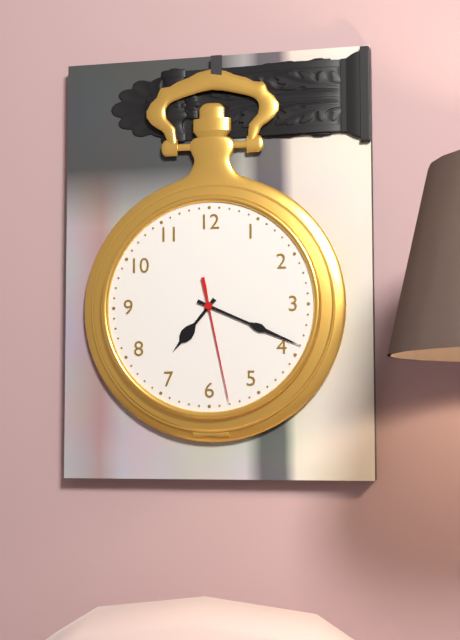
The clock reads 7 h 19 min 28 s
